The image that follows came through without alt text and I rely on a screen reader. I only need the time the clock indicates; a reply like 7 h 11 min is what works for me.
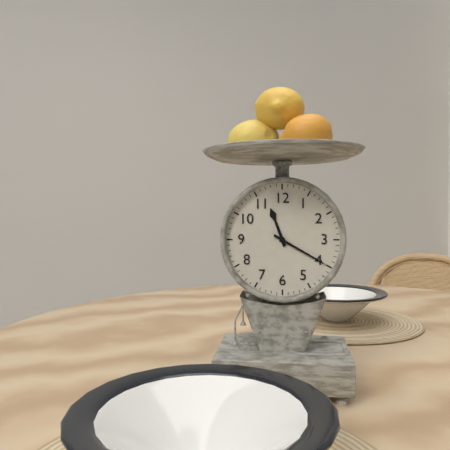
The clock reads 11 h 20 min
